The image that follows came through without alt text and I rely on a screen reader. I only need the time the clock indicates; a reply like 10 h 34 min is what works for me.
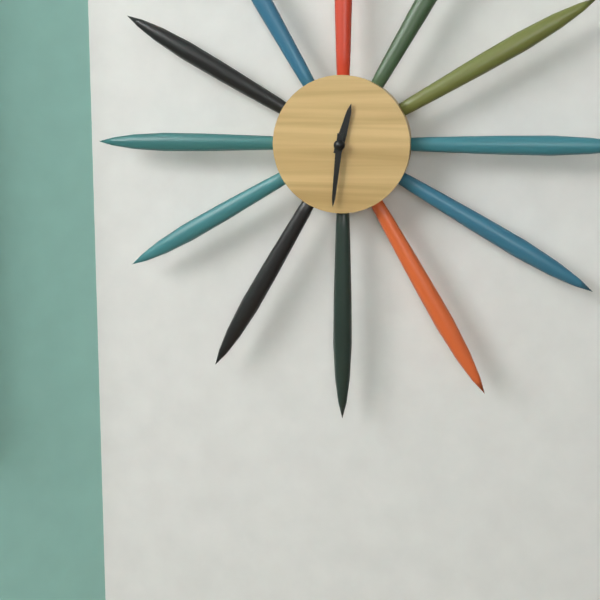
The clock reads 12 h 31 min
